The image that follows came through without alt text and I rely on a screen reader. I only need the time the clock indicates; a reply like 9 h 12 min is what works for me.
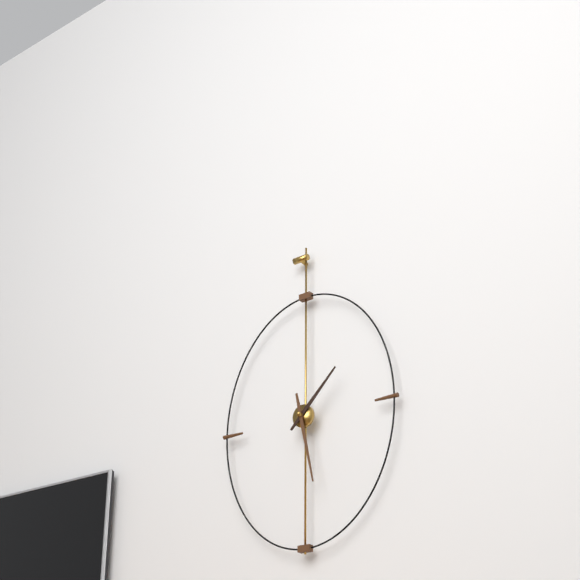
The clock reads 1 h 28 min
